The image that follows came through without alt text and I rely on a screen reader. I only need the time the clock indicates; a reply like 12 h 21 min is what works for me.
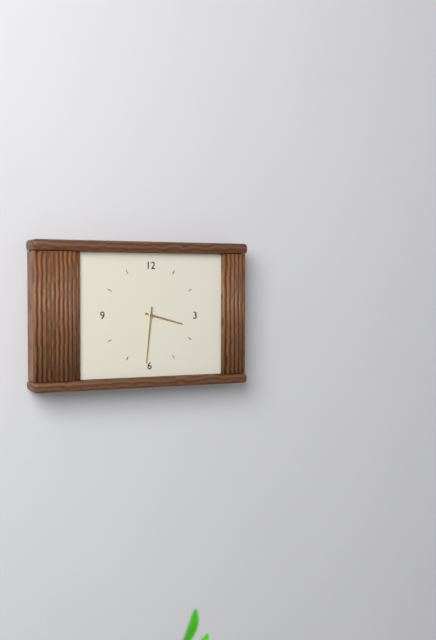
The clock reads 3 h 31 min
